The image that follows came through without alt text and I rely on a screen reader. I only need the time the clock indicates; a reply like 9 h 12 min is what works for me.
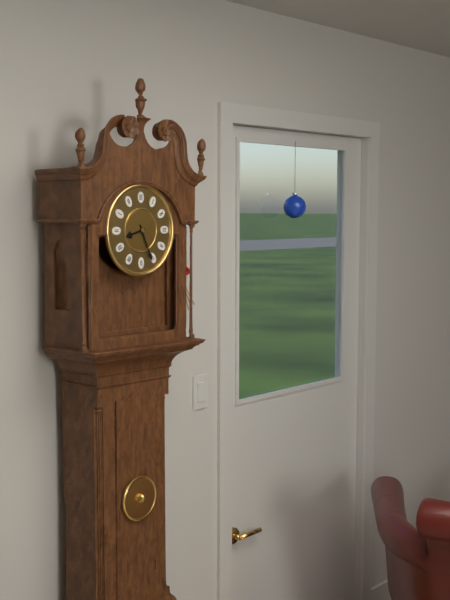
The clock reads 8 h 26 min
